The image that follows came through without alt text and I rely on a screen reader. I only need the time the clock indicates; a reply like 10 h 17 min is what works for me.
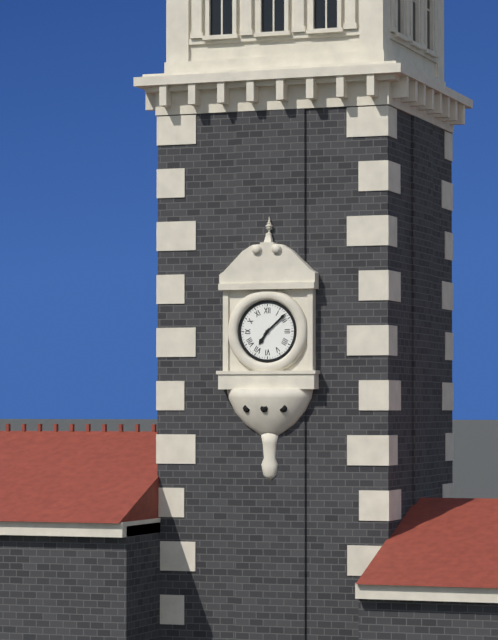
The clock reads 7 h 08 min
